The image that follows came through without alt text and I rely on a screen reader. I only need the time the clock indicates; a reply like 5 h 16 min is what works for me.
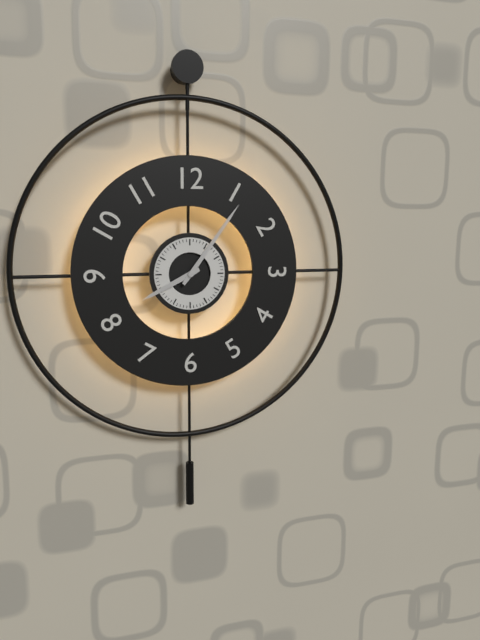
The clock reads 8 h 06 min
